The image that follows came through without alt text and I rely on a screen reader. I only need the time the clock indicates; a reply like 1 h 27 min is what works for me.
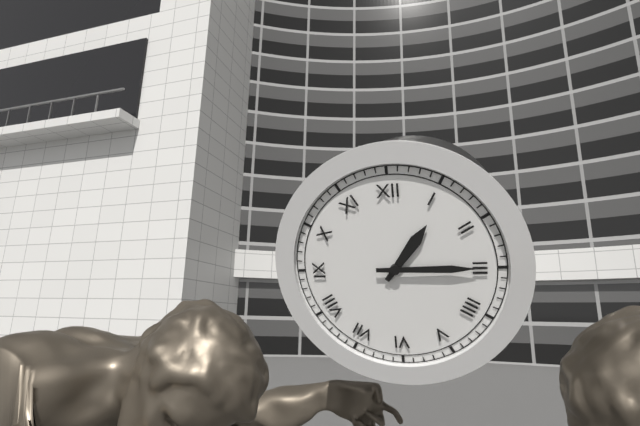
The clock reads 1 h 15 min
